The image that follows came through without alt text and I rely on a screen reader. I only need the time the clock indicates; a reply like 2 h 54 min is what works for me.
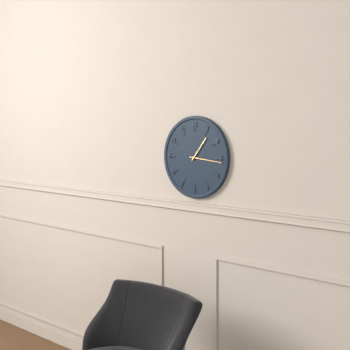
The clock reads 1 h 16 min
